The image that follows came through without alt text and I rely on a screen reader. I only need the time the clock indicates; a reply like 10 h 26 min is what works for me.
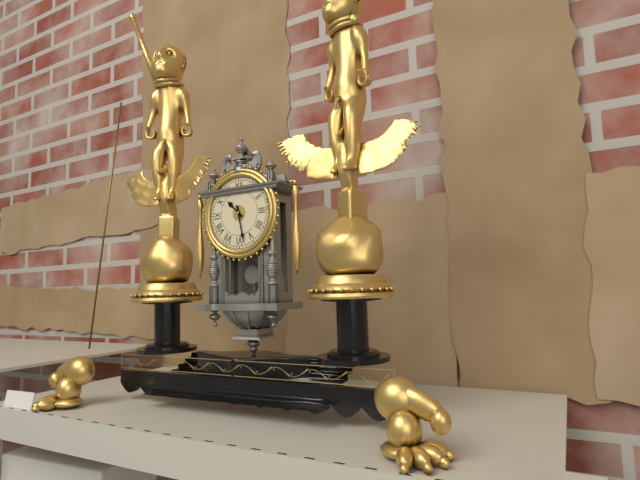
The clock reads 10 h 28 min
